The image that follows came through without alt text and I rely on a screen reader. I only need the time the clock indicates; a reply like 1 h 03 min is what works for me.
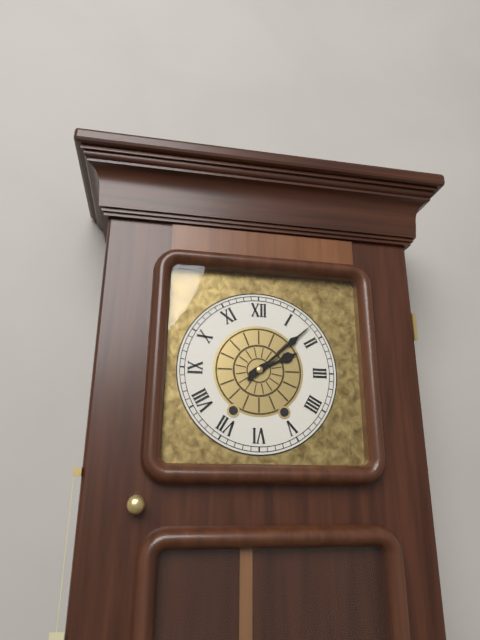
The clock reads 2 h 08 min
